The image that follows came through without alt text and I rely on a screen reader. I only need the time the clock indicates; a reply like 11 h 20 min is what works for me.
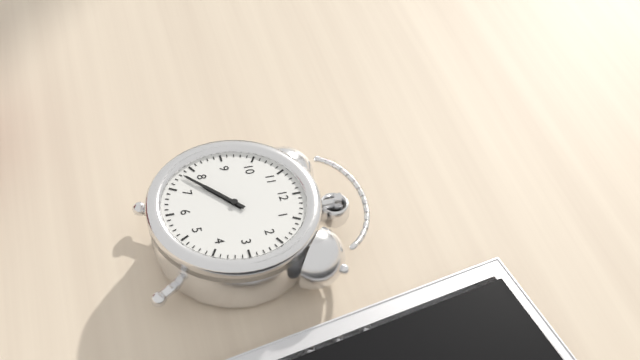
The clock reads 7 h 38 min
